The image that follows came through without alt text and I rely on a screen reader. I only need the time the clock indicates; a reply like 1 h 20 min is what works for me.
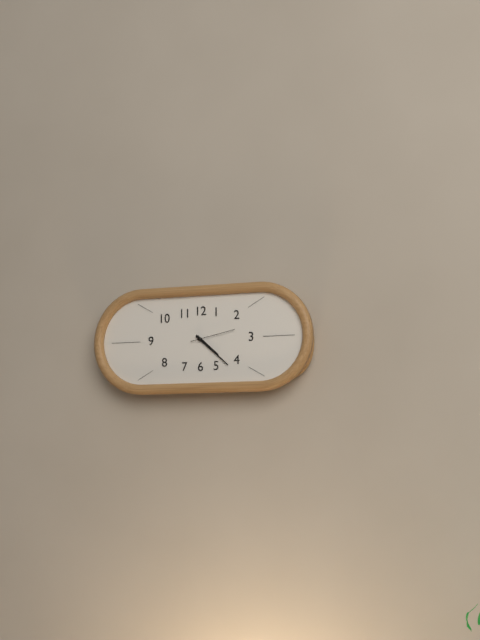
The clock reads 4 h 22 min
